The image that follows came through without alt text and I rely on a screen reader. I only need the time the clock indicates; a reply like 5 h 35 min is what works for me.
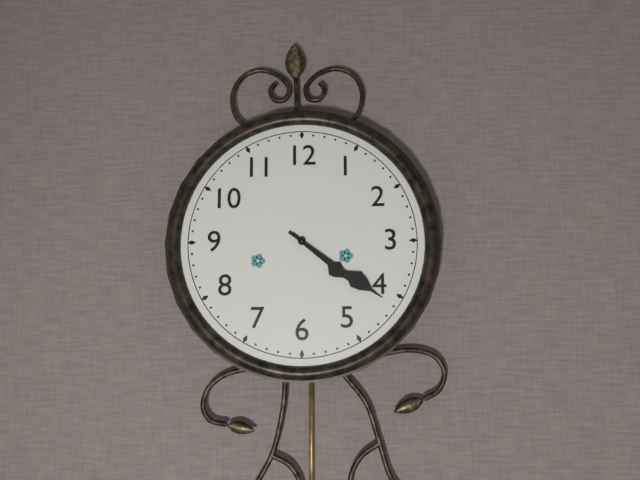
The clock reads 4 h 21 min
